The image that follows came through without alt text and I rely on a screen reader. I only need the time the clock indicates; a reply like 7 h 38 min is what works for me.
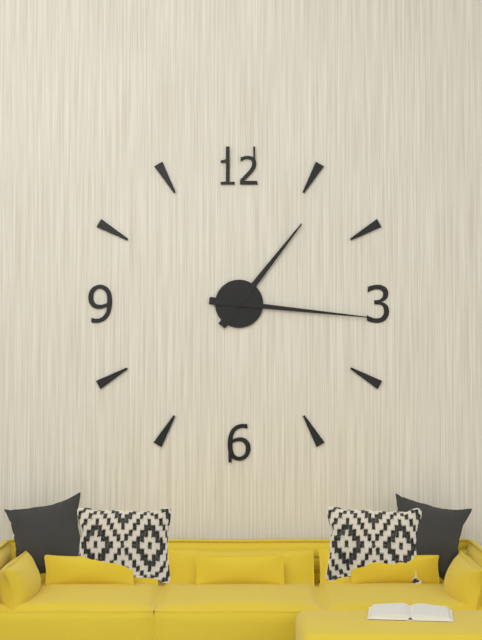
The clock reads 1 h 16 min
